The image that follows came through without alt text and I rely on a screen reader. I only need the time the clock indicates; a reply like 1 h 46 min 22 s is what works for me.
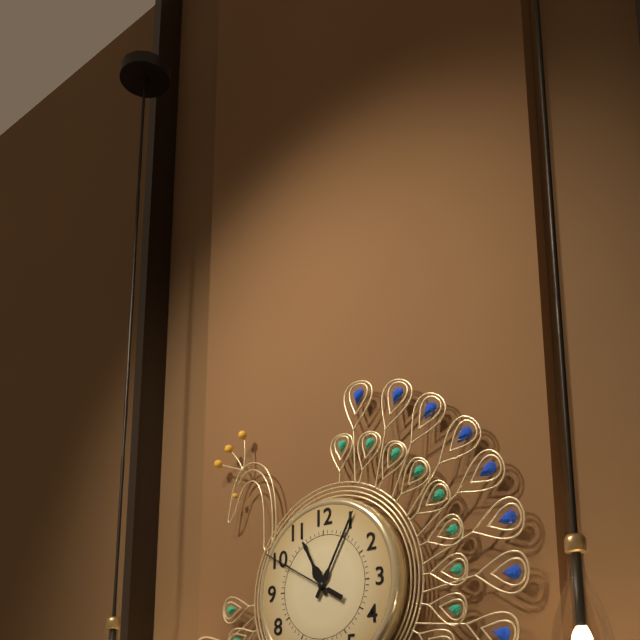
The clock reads 11 h 05 min 50 s
